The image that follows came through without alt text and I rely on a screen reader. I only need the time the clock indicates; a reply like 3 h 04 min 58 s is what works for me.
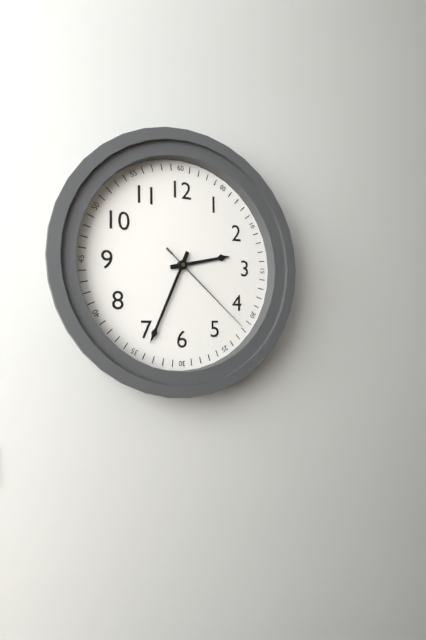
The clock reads 2 h 34 min 22 s
